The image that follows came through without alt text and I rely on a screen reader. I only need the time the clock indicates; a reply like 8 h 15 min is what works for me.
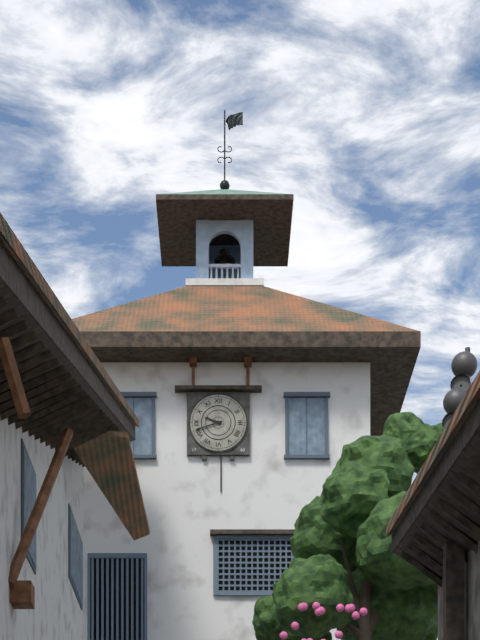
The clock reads 9 h 42 min
